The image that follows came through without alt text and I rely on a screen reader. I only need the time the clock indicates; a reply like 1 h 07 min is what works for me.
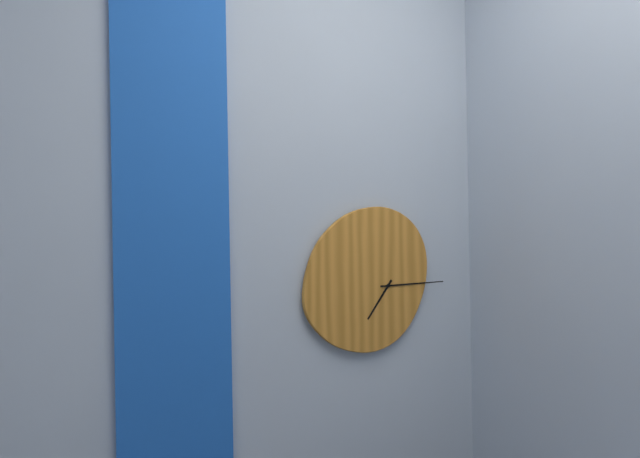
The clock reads 7 h 15 min
